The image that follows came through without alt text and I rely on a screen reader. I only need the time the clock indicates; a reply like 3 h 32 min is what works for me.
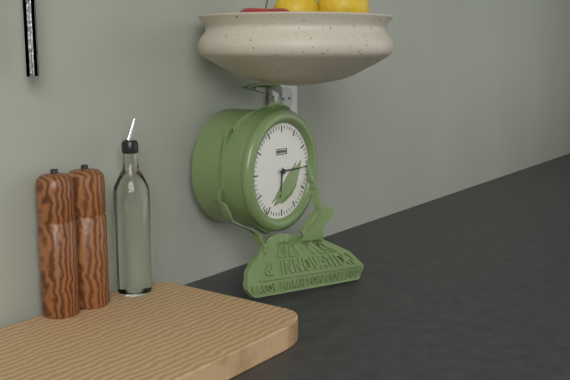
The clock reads 6 h 15 min
